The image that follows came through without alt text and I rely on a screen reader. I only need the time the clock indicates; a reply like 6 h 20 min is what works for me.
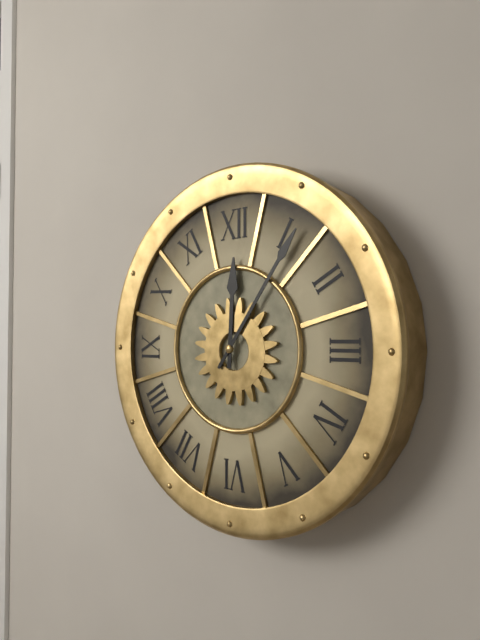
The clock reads 12 h 06 min
